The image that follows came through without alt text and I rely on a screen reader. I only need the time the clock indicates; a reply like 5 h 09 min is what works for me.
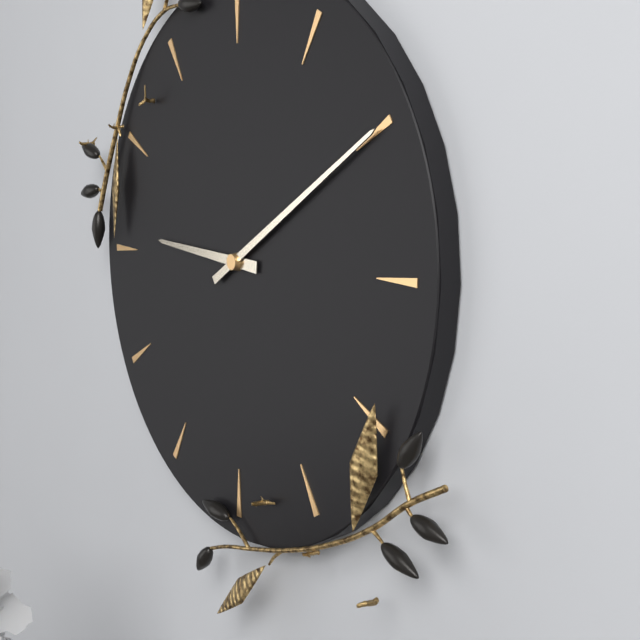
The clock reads 9 h 10 min
